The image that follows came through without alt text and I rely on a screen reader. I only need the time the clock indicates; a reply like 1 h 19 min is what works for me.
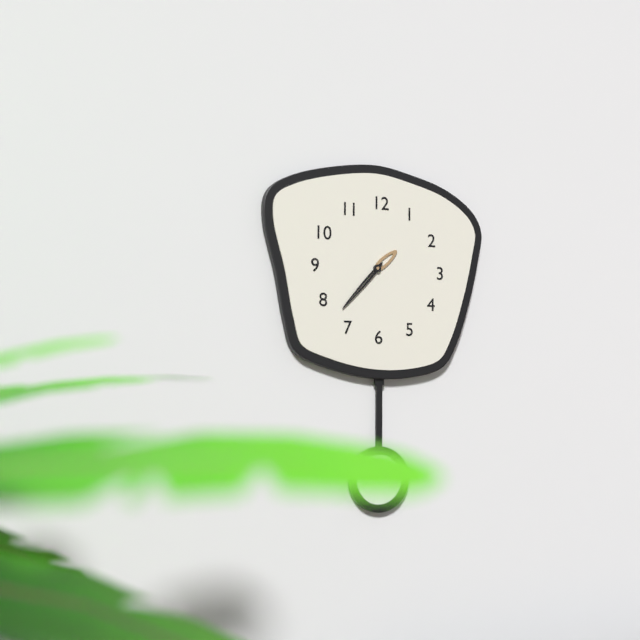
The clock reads 1 h 37 min
